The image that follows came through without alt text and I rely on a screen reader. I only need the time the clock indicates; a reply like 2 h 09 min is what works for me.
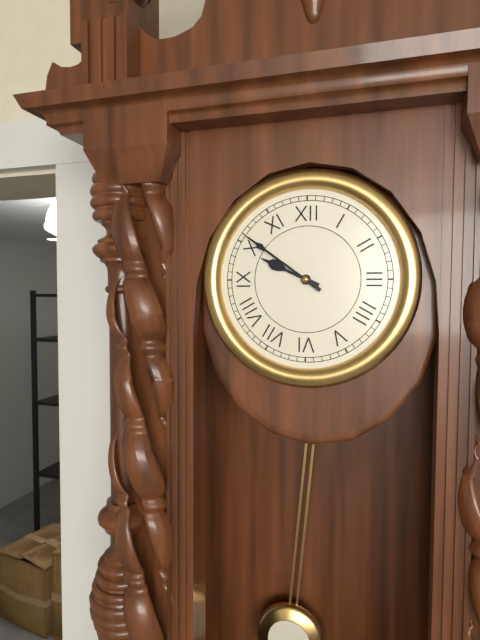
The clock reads 9 h 51 min
